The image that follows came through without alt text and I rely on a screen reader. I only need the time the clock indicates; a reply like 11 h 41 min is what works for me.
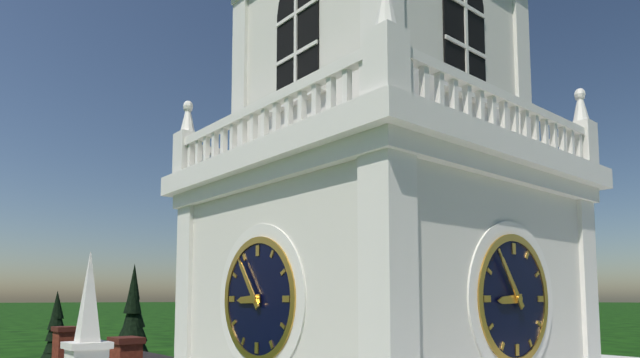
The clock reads 8 h 54 min
